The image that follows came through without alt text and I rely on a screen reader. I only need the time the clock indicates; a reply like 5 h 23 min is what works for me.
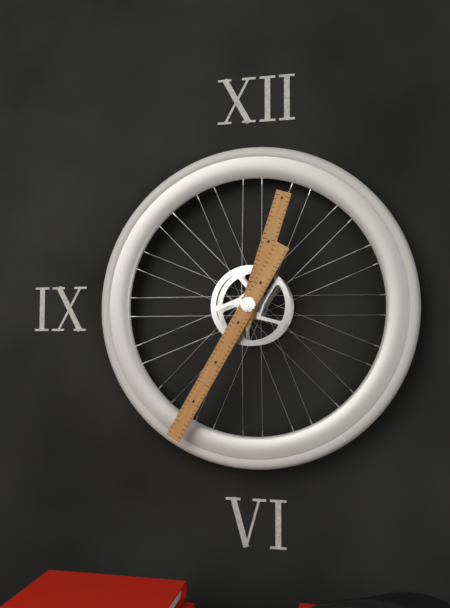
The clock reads 12 h 35 min
